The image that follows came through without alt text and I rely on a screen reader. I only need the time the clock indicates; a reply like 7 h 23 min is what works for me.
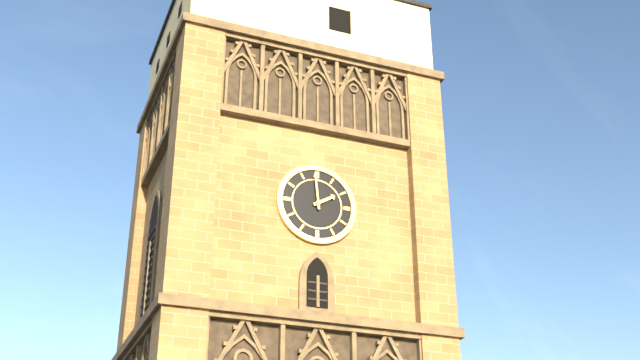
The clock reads 1 h 59 min
